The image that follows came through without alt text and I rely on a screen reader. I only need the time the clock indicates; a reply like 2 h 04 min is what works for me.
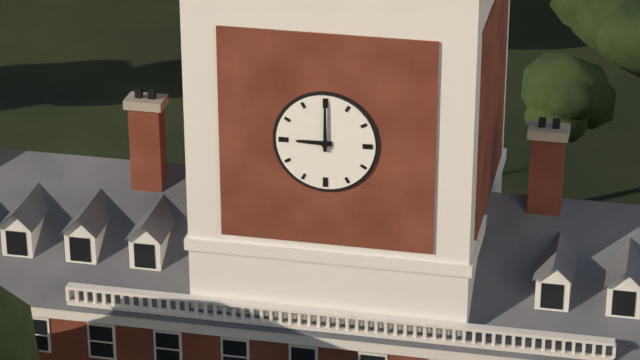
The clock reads 9 h 00 min
